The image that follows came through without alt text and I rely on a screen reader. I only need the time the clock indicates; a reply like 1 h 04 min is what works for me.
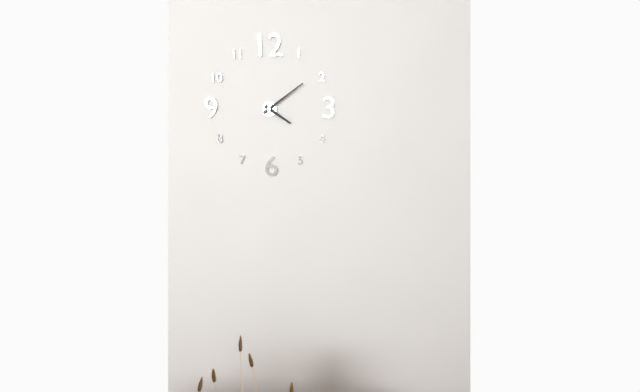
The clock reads 4 h 09 min
